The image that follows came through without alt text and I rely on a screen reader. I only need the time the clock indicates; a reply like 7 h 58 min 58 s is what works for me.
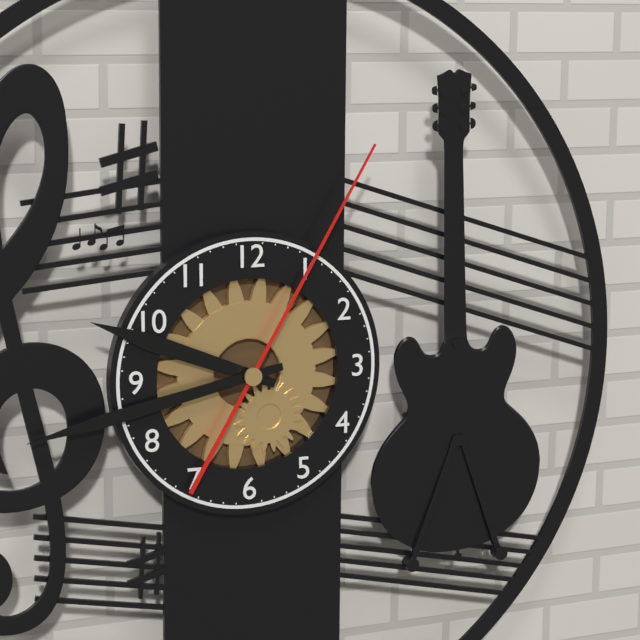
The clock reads 9 h 43 min 05 s
